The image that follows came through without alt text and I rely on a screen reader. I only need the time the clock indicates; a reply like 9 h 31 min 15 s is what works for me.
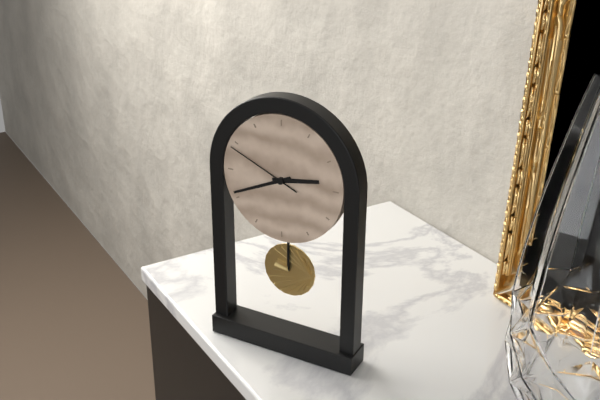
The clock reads 2 h 41 min 49 s
